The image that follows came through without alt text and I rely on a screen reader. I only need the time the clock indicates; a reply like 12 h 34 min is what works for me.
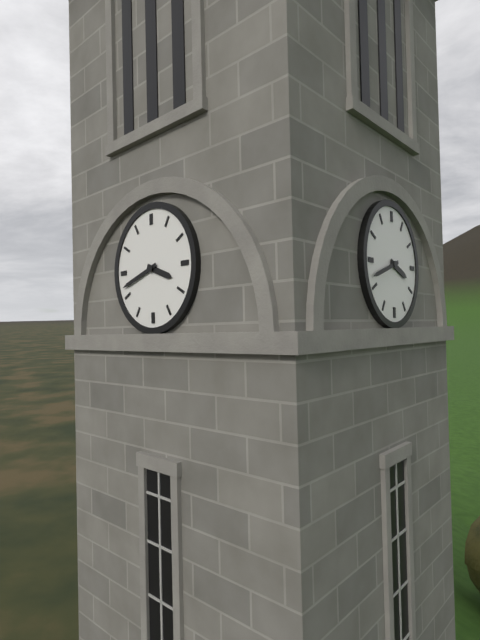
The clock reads 3 h 42 min
